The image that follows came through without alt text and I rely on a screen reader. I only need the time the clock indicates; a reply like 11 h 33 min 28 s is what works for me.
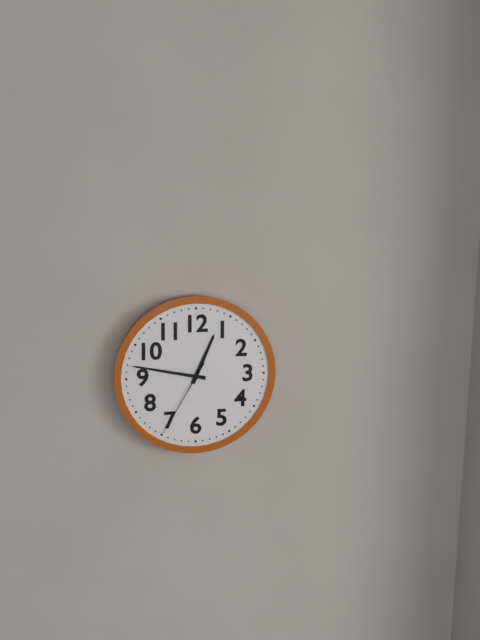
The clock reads 12 h 47 min 35 s
